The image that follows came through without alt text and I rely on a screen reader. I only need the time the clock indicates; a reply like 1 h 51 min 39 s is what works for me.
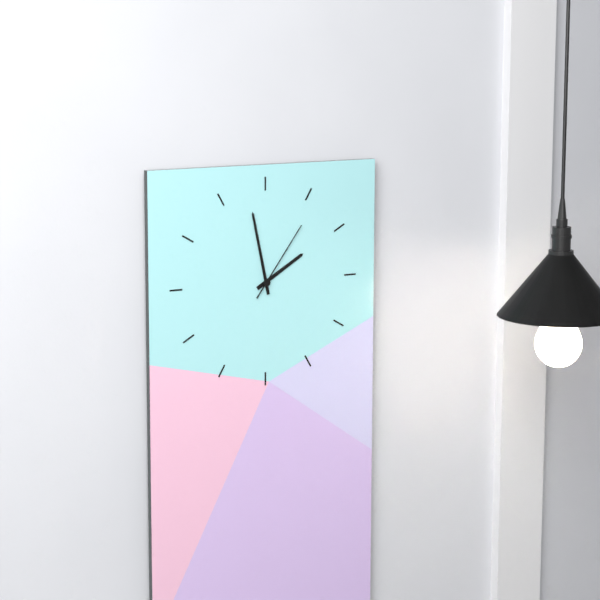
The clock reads 1 h 58 min 06 s
